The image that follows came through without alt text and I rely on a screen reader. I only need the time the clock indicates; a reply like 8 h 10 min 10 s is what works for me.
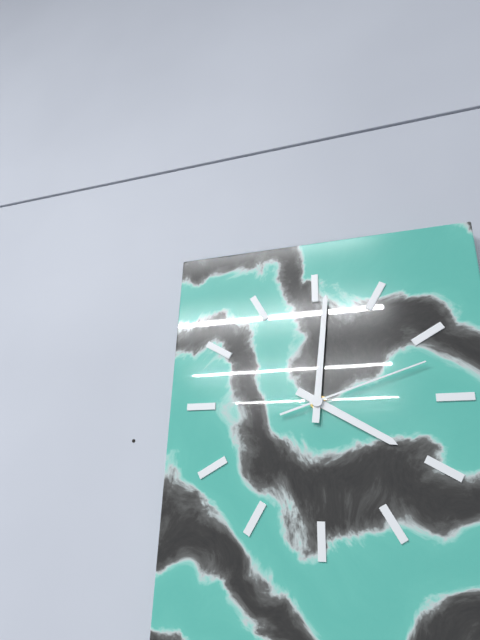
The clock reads 4 h 01 min 12 s
